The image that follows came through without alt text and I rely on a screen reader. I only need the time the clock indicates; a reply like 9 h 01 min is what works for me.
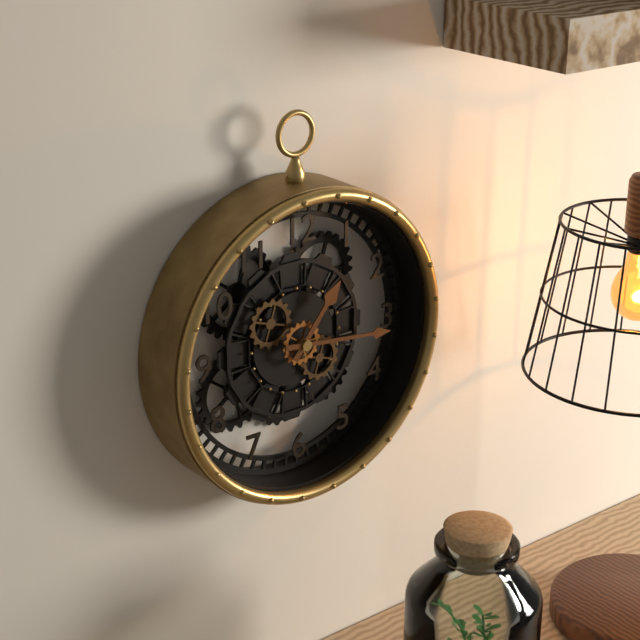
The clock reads 1 h 16 min
